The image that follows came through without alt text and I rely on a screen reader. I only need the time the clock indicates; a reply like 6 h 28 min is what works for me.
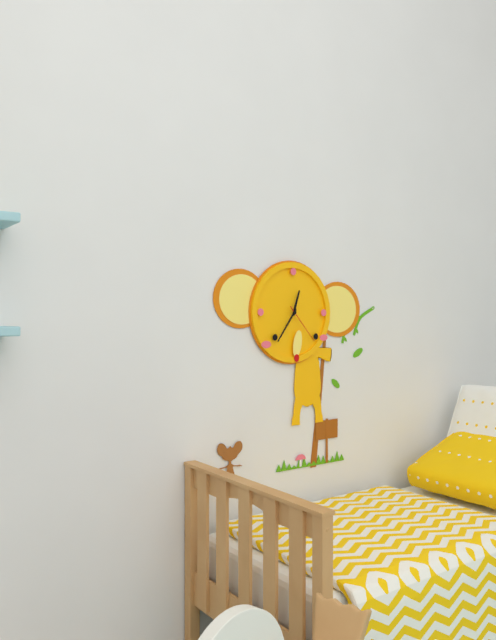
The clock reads 12 h 36 min
